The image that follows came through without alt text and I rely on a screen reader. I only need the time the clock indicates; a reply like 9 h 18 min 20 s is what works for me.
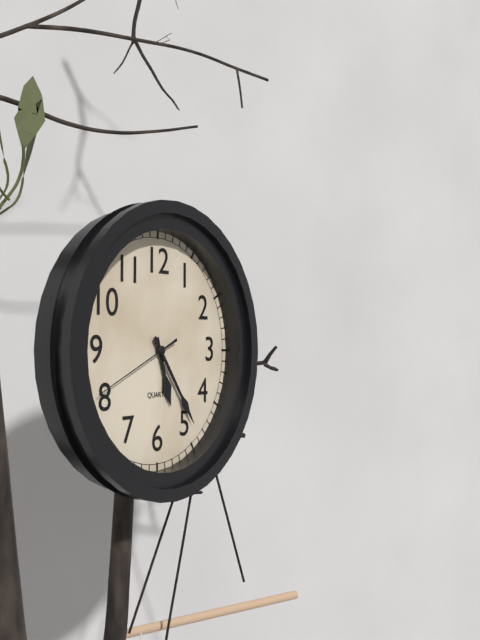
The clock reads 5 h 24 min 41 s
